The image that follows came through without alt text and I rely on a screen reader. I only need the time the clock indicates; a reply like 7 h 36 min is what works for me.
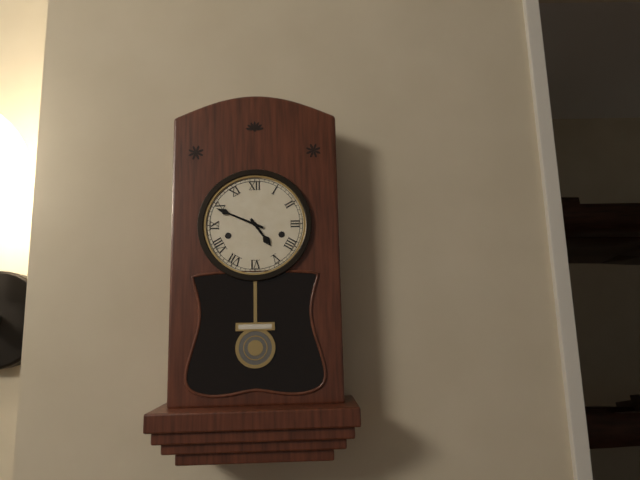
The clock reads 4 h 49 min
